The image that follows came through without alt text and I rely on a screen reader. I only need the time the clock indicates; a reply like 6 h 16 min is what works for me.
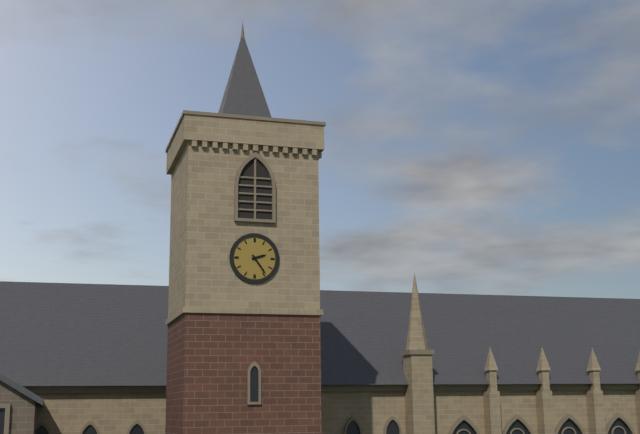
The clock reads 2 h 24 min
